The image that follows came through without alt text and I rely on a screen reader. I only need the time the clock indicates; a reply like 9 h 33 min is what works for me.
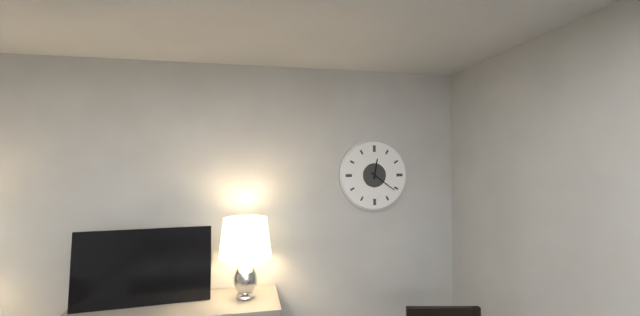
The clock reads 12 h 21 min
